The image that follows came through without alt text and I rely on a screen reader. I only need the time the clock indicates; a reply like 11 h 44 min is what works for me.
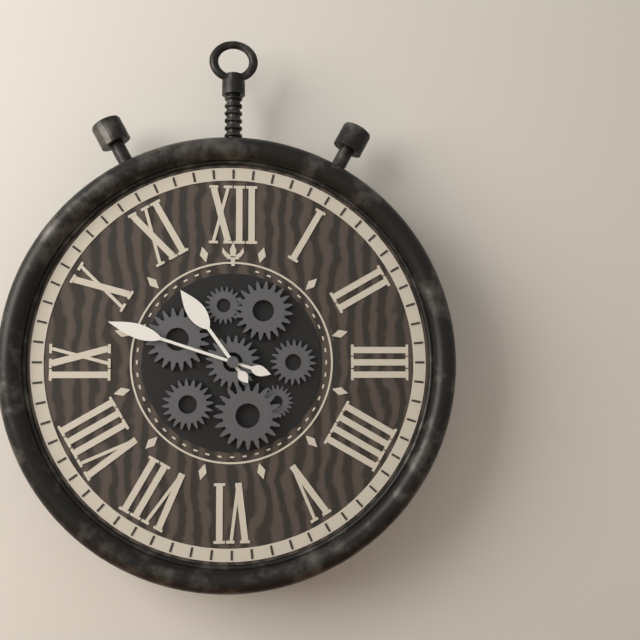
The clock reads 10 h 48 min
